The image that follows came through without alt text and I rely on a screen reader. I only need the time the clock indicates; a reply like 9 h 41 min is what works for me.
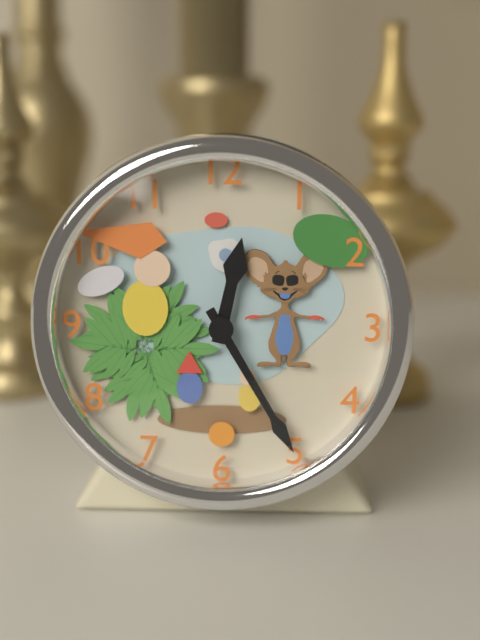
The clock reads 12 h 25 min
